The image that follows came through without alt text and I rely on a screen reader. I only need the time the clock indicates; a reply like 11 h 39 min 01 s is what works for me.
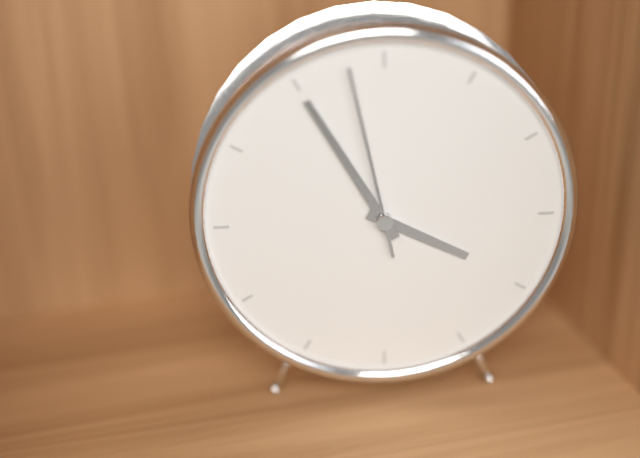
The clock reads 3 h 55 min 58 s
